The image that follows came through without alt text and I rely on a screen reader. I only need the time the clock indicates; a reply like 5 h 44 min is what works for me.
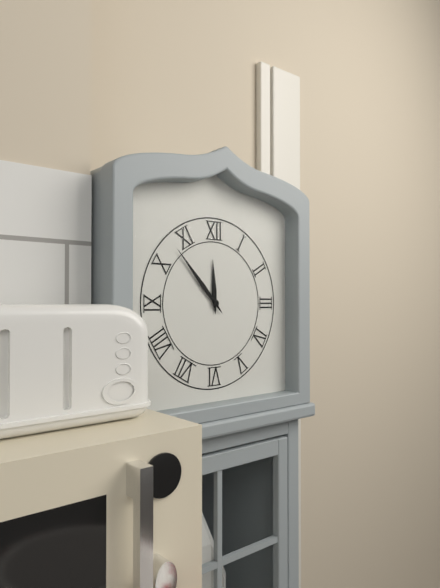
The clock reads 11 h 53 min
